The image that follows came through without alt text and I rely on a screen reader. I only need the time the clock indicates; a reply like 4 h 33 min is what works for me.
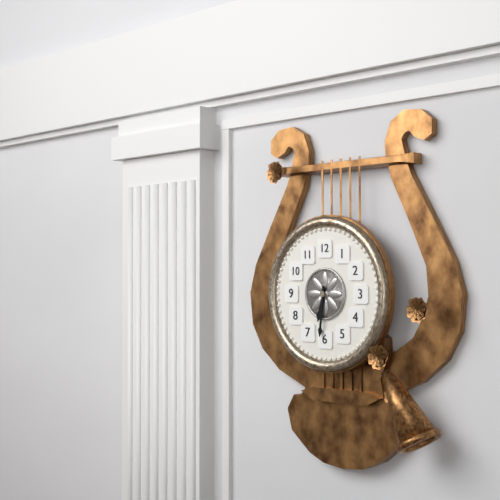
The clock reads 6 h 31 min
